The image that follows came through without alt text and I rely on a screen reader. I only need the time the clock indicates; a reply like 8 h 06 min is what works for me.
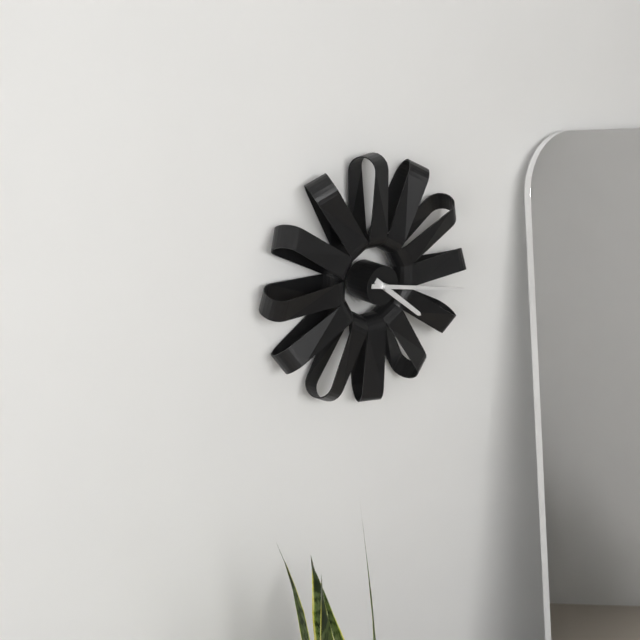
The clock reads 4 h 17 min
